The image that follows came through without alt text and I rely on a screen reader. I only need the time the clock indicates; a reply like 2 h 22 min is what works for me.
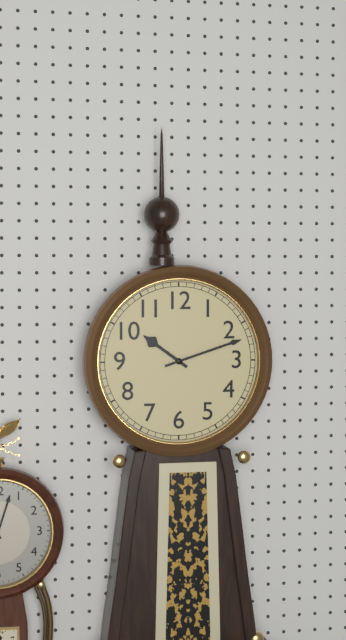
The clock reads 10 h 12 min
